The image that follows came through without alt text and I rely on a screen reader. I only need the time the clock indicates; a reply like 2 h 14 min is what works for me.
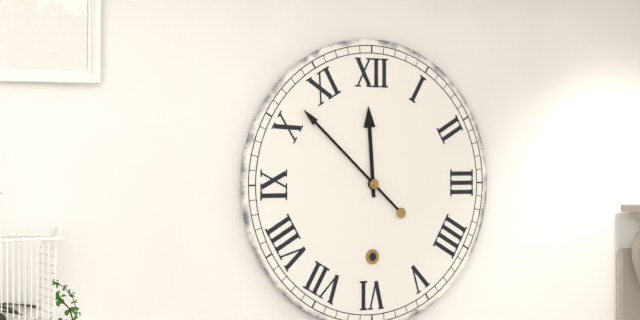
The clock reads 11 h 52 min
